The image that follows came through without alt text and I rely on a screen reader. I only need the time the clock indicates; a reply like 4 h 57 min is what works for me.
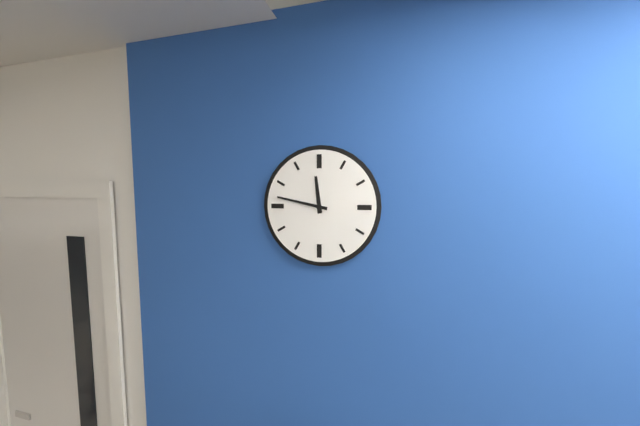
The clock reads 11 h 47 min
